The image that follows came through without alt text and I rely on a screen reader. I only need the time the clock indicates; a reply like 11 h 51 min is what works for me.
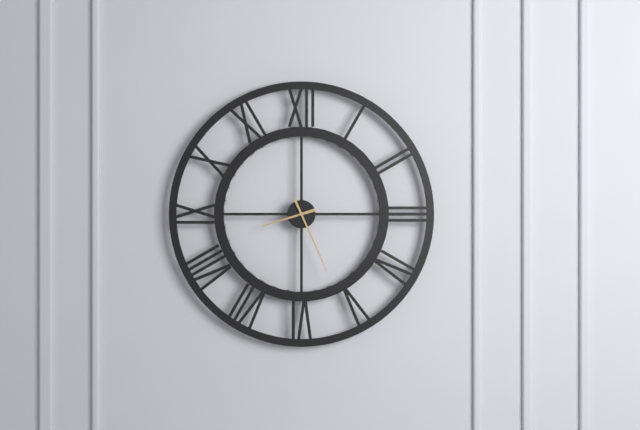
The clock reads 8 h 26 min
